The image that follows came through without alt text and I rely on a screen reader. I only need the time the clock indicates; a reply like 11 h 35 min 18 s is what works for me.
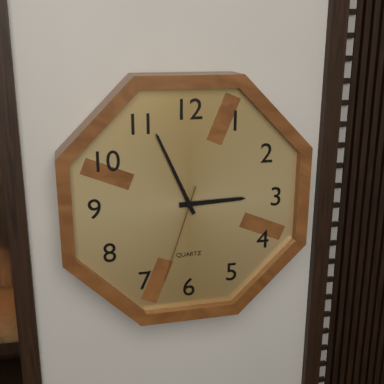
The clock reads 2 h 56 min 33 s
